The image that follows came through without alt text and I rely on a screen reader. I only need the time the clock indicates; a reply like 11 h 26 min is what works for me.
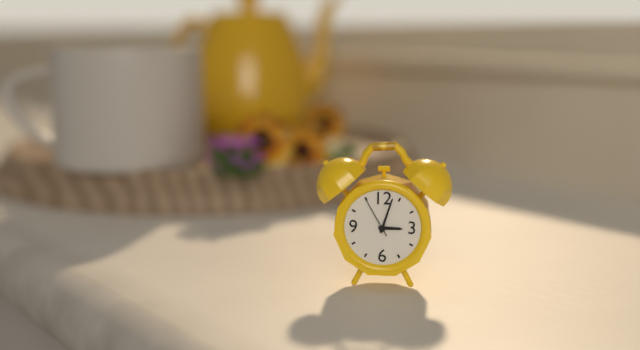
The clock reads 3 h 03 min
